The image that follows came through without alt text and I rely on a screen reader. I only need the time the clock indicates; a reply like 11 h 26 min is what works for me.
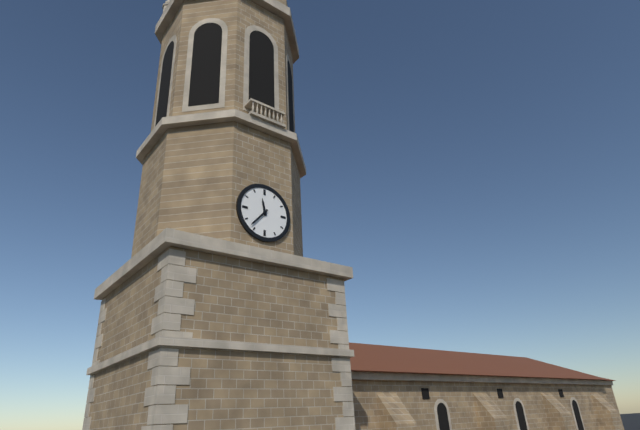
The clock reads 11 h 37 min
